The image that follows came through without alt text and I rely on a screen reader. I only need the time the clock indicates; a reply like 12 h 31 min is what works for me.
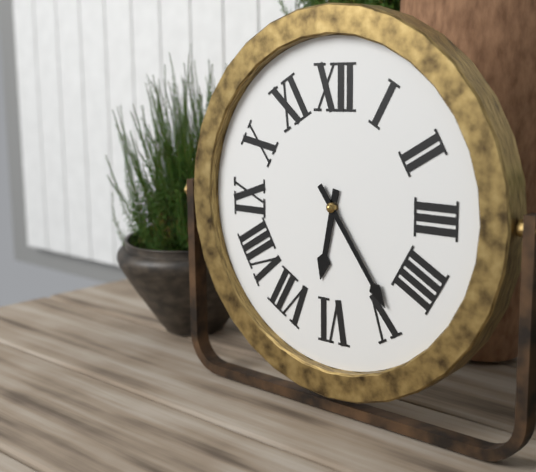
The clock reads 6 h 24 min
